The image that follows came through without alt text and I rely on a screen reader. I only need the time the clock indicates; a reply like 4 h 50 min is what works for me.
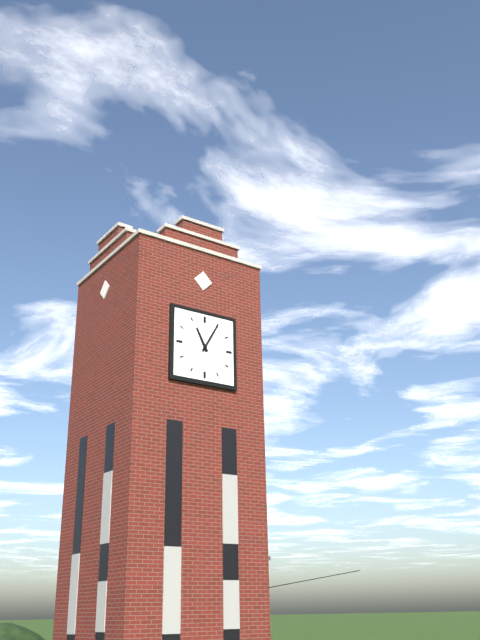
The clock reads 11 h 05 min
